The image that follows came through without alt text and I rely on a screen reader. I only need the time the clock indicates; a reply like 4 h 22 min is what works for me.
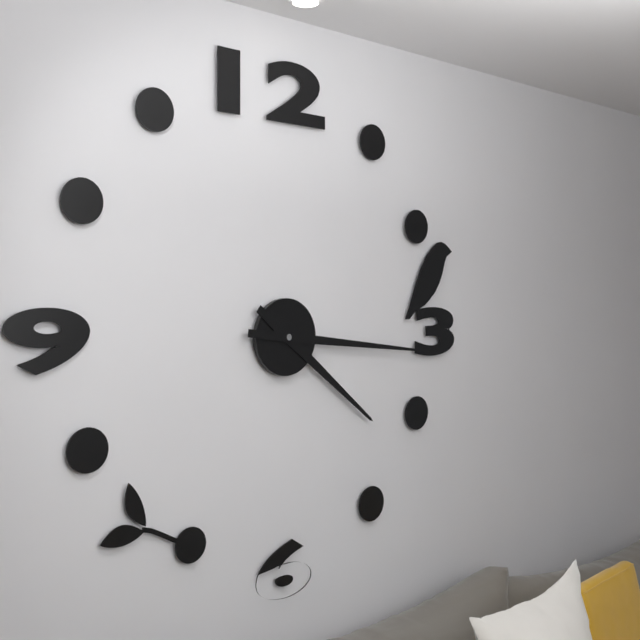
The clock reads 4 h 16 min
